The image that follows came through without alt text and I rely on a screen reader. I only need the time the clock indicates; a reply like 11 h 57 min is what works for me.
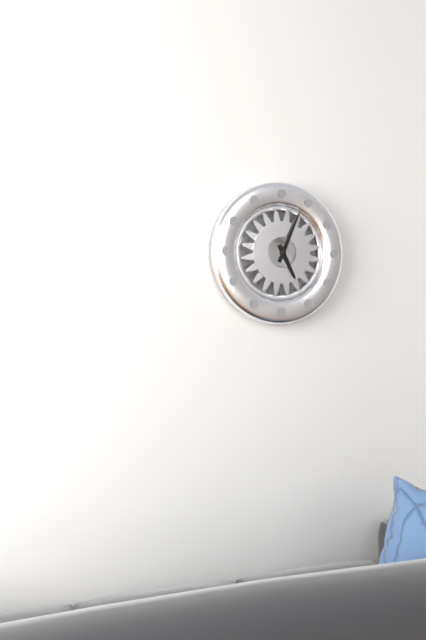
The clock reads 5 h 04 min
